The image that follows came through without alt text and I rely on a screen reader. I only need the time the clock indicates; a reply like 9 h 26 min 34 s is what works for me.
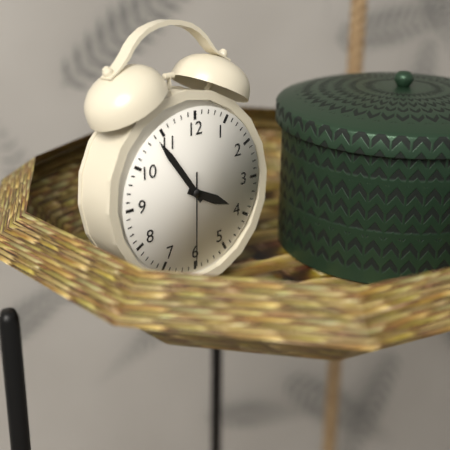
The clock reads 3 h 54 min 30 s
